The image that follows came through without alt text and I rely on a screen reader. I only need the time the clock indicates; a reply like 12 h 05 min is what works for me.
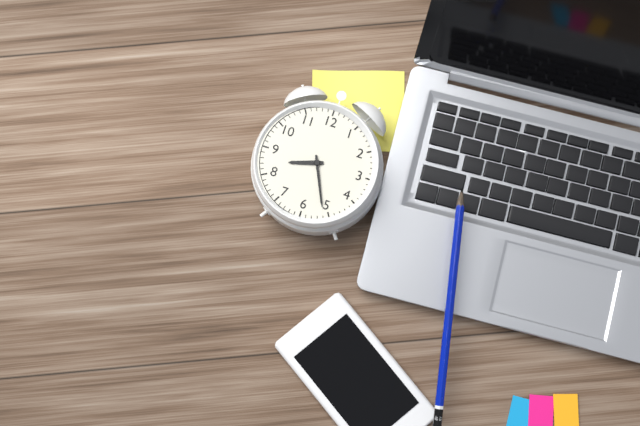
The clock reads 8 h 26 min
